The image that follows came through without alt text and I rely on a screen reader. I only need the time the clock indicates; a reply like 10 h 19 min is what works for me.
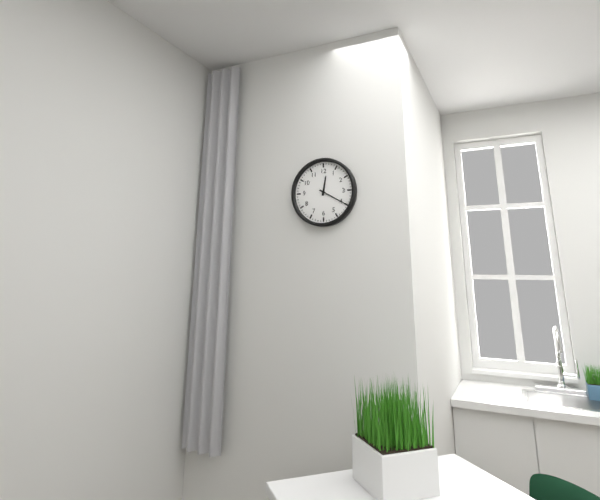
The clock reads 12 h 20 min
